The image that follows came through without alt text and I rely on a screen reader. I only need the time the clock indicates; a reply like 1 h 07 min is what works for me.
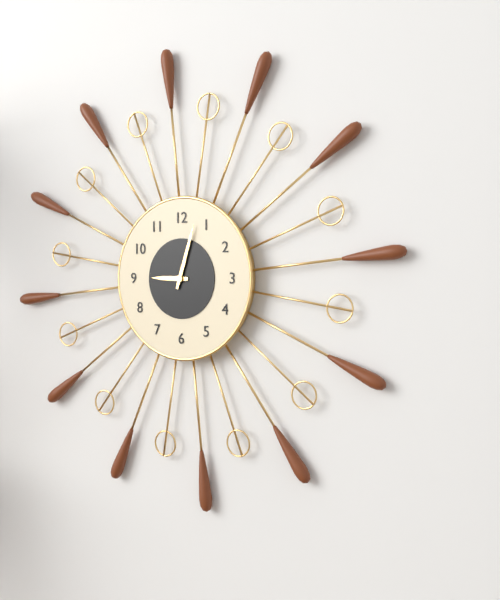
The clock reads 9 h 03 min
